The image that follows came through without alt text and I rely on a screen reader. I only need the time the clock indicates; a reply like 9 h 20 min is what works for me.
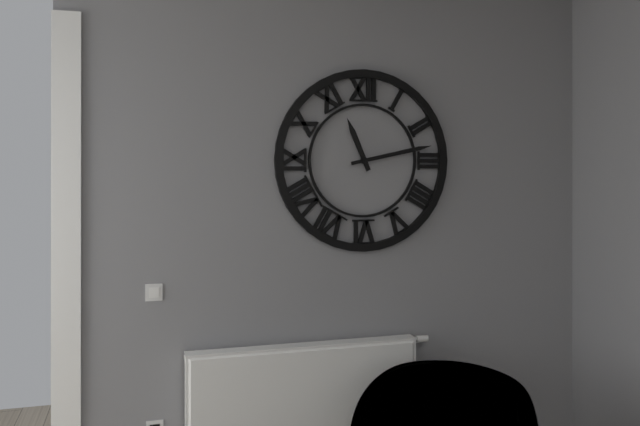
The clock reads 11 h 13 min
